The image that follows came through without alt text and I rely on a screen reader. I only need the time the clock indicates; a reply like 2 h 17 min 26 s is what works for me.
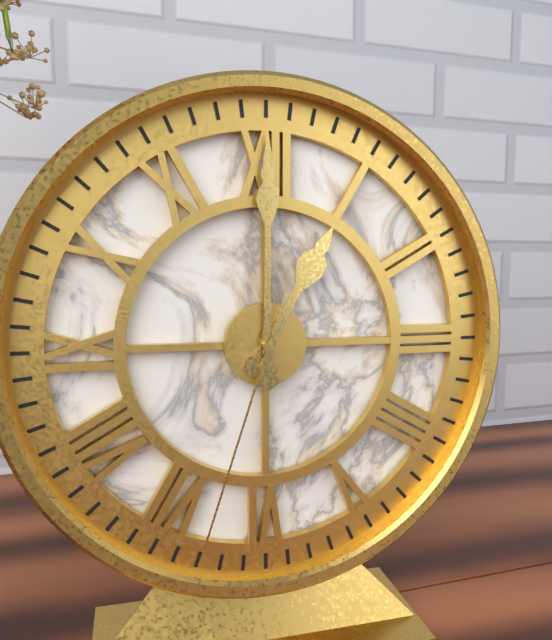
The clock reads 1 h 00 min 33 s
